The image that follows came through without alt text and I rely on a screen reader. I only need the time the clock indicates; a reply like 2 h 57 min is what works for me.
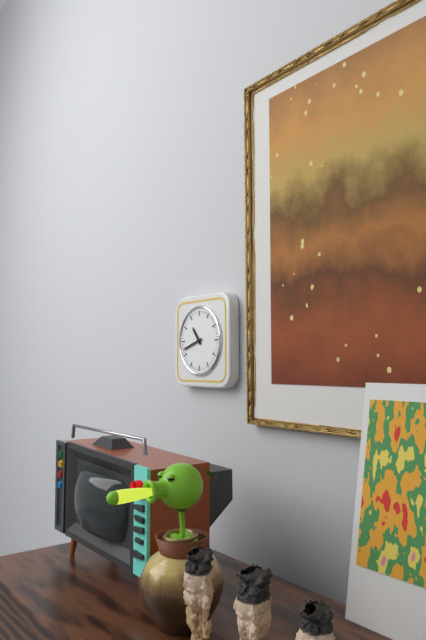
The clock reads 10 h 42 min
